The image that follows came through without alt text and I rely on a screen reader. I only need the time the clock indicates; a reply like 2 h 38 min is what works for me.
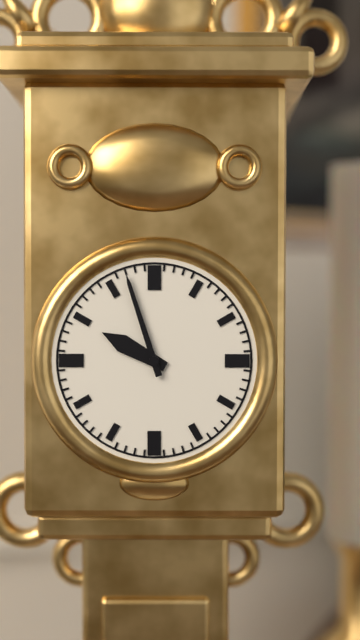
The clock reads 9 h 57 min
